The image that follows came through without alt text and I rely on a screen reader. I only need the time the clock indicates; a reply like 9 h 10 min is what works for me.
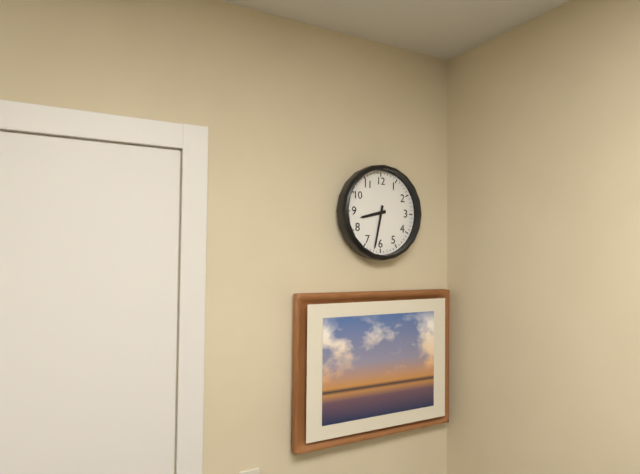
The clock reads 8 h 32 min
